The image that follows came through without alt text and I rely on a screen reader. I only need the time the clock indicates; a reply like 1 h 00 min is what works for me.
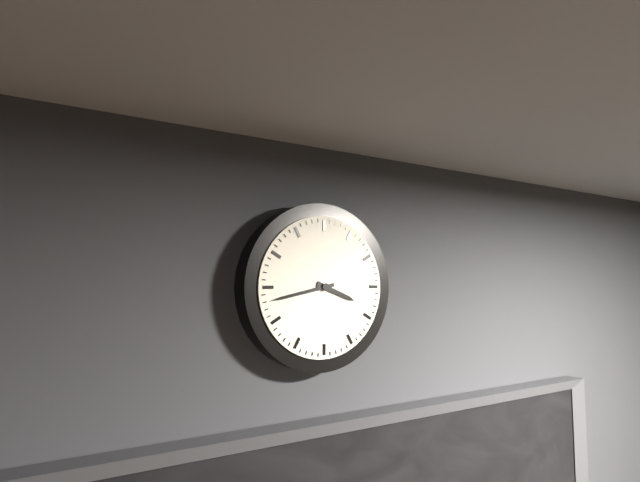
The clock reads 3 h 43 min
